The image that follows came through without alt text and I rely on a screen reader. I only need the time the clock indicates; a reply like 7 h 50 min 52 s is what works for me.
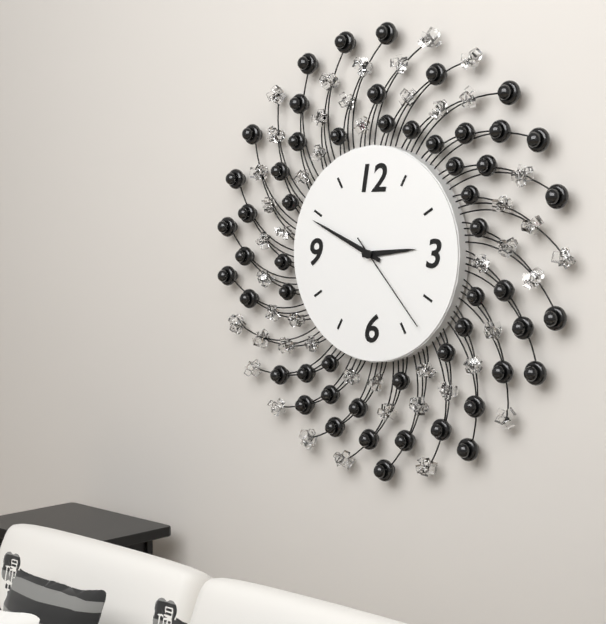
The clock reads 2 h 49 min 23 s
